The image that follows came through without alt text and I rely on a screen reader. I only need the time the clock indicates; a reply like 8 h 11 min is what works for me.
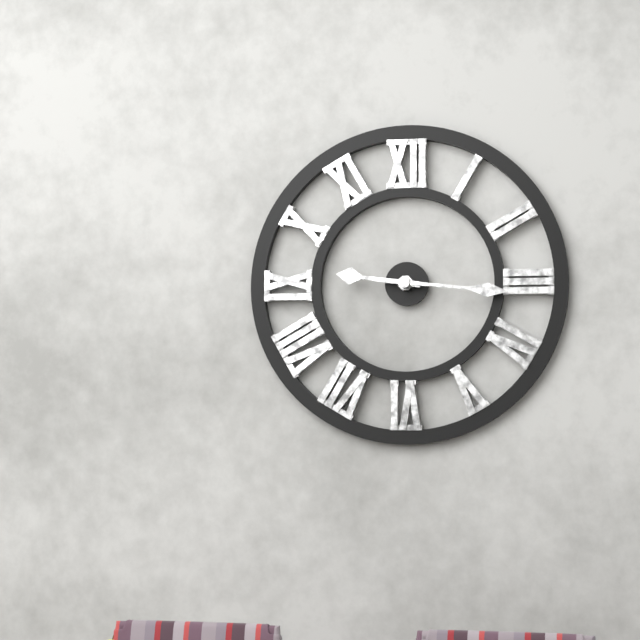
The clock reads 9 h 16 min
